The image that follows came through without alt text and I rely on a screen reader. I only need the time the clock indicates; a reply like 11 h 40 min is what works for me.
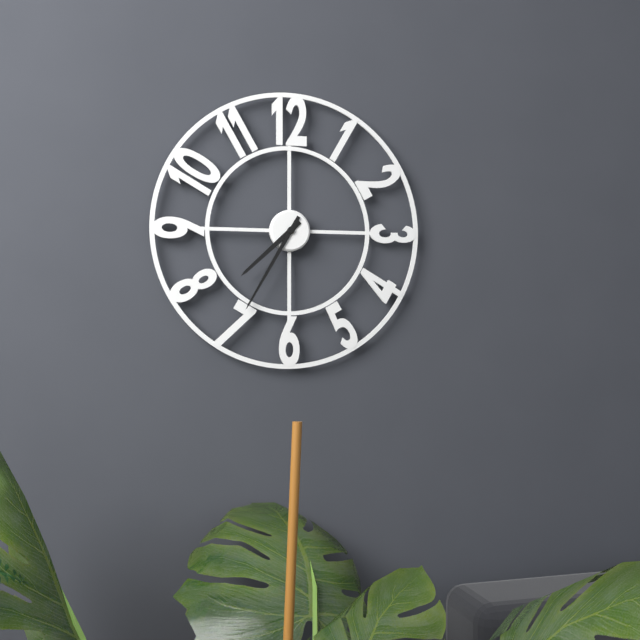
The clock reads 7 h 35 min
